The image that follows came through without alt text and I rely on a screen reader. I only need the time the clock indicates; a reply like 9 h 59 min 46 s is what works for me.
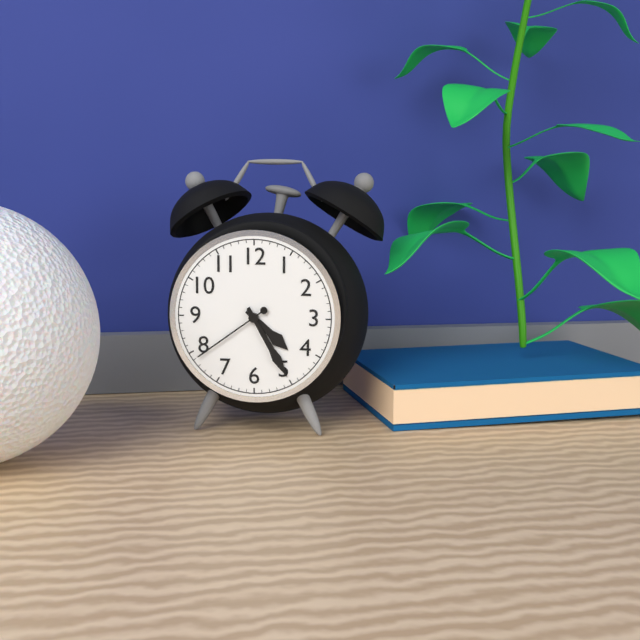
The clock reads 4 h 25 min 39 s
